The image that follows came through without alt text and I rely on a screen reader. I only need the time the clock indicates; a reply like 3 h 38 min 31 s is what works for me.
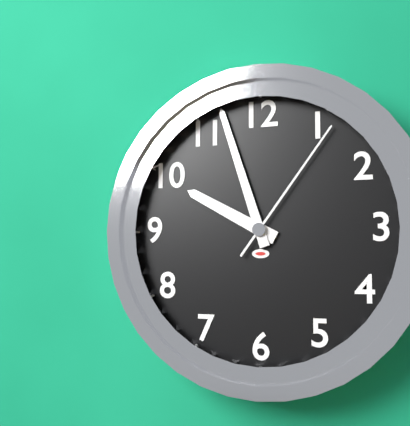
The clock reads 9 h 57 min 06 s
